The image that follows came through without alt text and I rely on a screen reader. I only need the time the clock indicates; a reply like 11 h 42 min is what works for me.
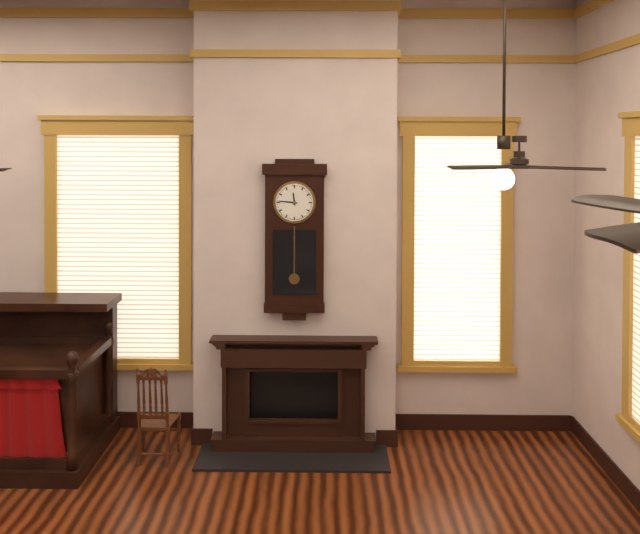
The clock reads 11 h 46 min
